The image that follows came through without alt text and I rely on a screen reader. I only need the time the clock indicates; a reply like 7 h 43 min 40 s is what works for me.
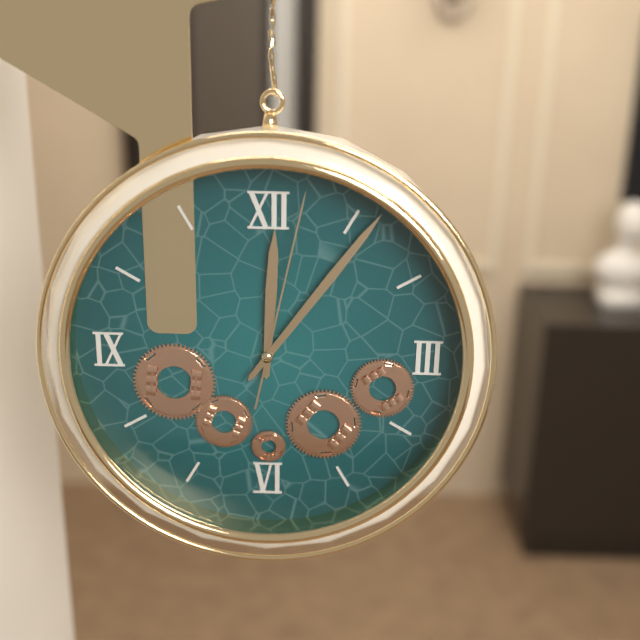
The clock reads 12 h 06 min 02 s
